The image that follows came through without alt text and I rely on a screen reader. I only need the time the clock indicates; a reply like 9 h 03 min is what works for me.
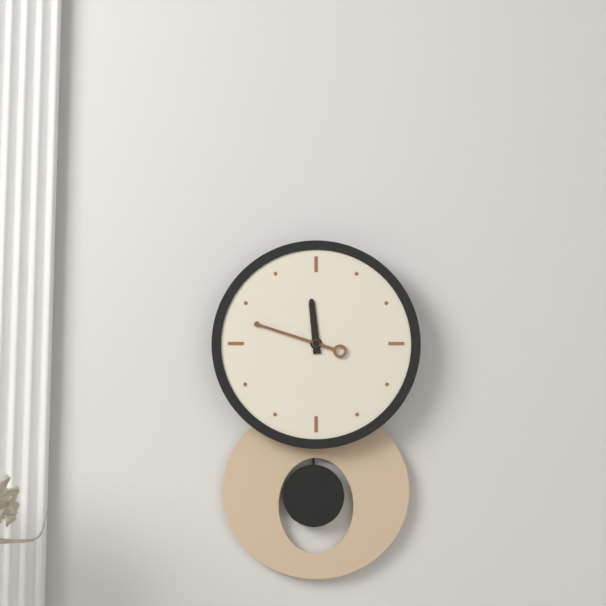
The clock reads 11 h 48 min
